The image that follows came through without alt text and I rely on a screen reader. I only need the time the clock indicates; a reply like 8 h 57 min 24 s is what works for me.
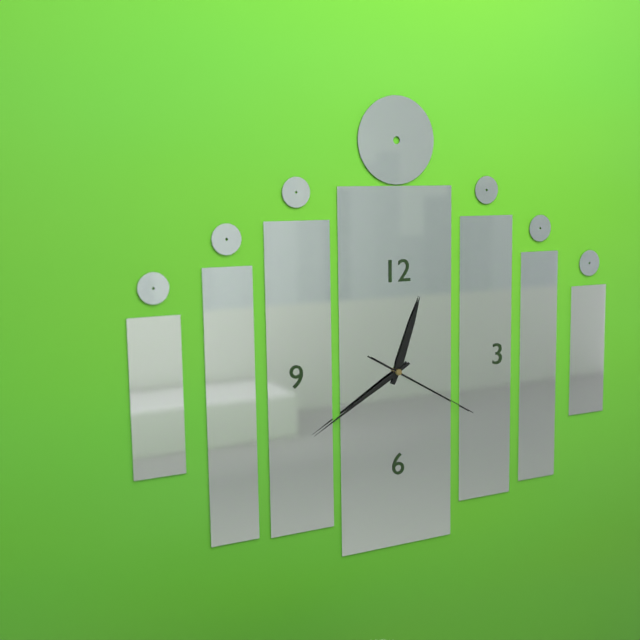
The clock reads 12 h 40 min 20 s
